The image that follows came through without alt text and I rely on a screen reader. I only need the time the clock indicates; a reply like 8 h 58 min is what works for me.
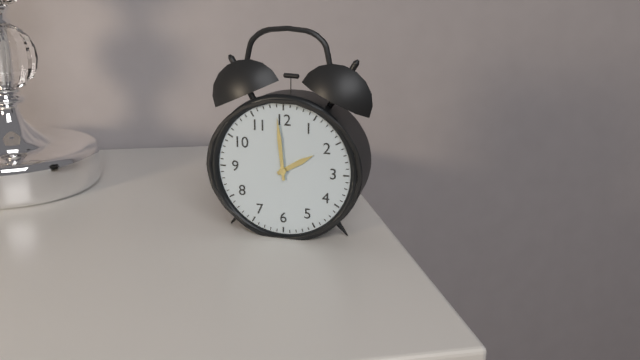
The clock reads 1 h 59 min
